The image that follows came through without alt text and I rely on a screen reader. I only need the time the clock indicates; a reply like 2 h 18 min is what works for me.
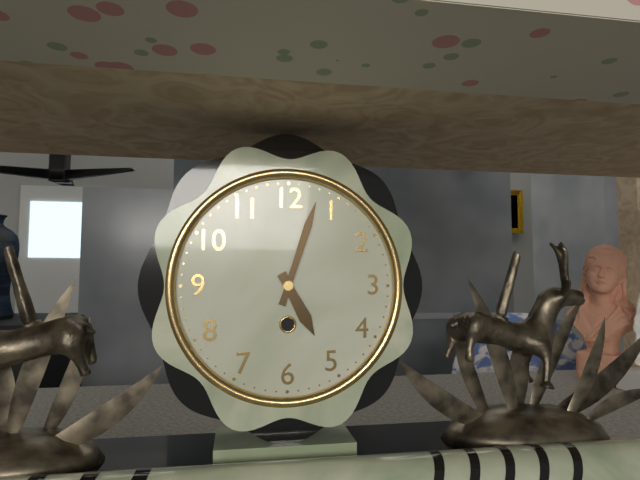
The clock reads 5 h 03 min
